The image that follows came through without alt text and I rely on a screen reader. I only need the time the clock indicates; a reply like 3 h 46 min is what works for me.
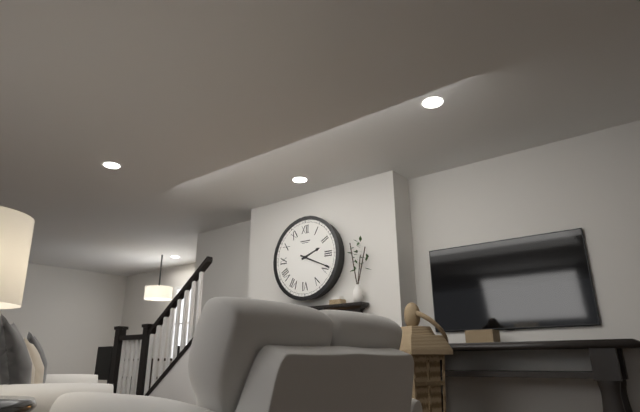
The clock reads 2 h 19 min
